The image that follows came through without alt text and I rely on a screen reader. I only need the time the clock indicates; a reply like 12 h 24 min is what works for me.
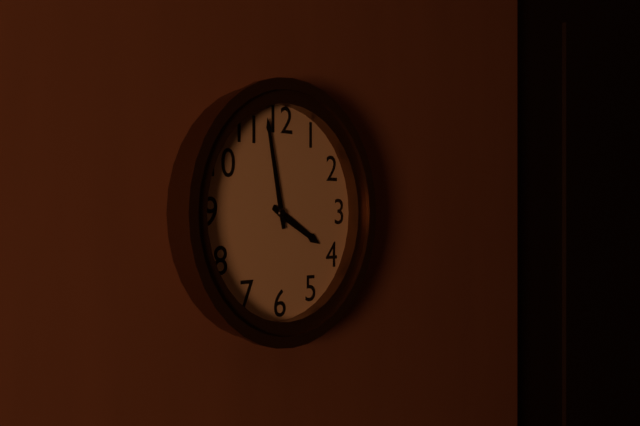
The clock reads 3 h 58 min
